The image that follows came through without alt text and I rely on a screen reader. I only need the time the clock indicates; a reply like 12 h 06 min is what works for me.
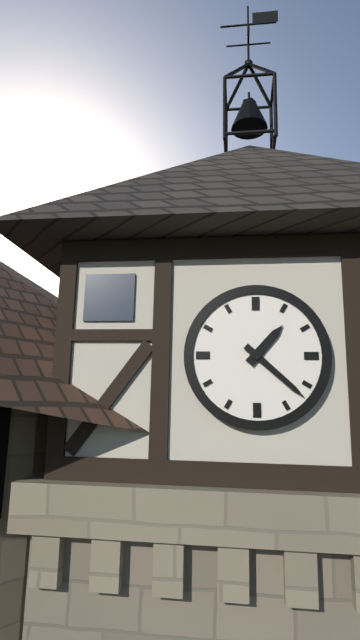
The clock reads 1 h 22 min
